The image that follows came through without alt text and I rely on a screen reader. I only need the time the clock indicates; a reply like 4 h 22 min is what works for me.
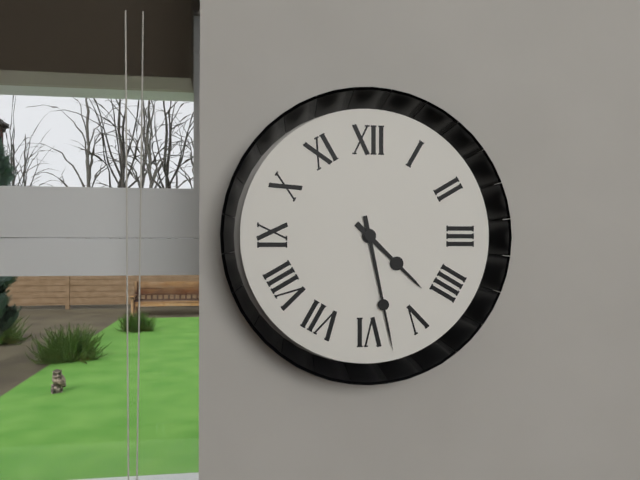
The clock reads 4 h 28 min
